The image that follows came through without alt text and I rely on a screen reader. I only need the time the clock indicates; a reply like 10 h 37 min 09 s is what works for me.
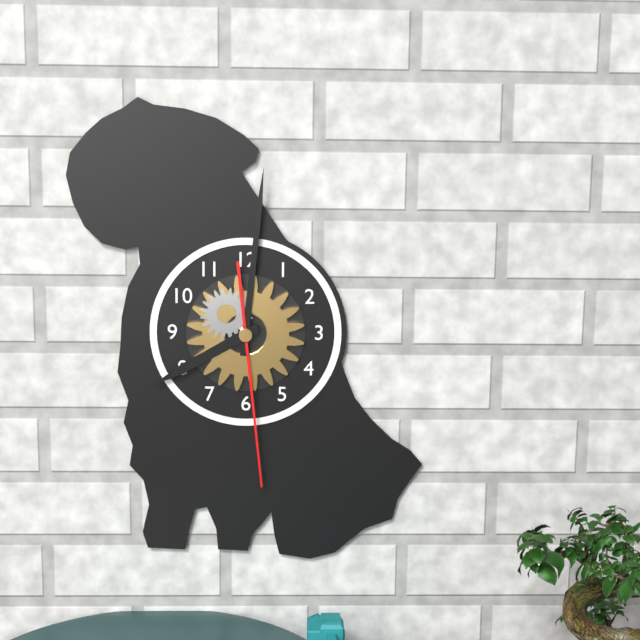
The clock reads 8 h 01 min 29 s
